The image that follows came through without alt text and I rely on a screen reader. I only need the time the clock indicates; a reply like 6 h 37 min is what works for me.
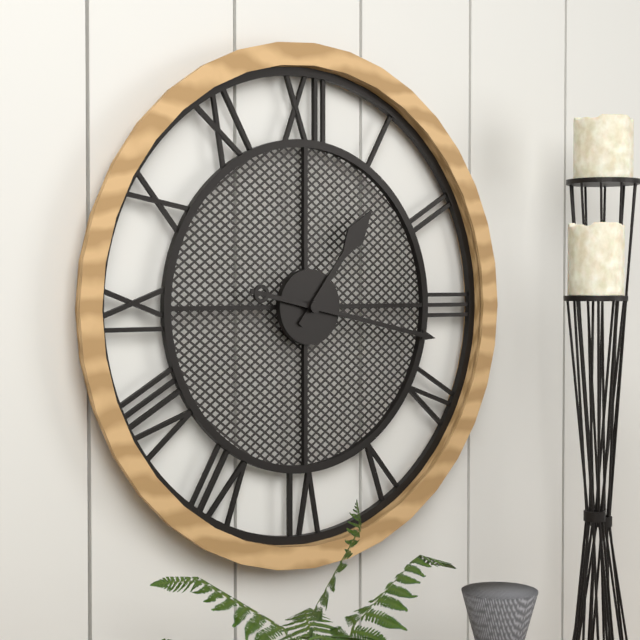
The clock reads 1 h 17 min
